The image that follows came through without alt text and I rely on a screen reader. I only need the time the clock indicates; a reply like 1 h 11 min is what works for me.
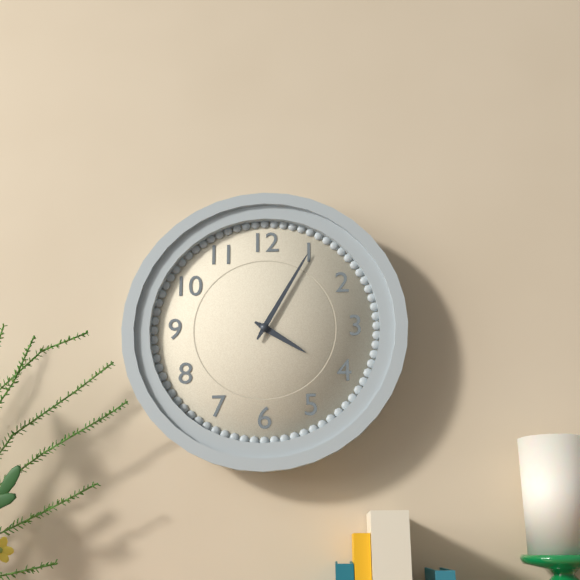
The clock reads 4 h 05 min
